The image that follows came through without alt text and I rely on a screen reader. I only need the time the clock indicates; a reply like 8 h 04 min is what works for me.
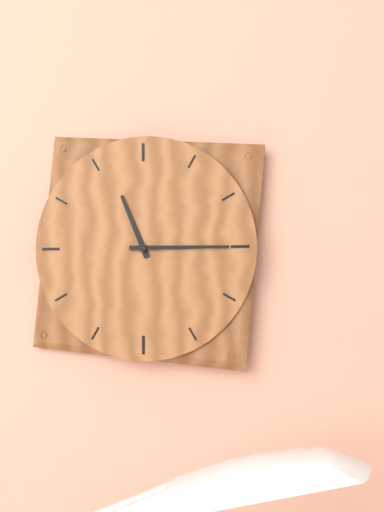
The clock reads 11 h 15 min
